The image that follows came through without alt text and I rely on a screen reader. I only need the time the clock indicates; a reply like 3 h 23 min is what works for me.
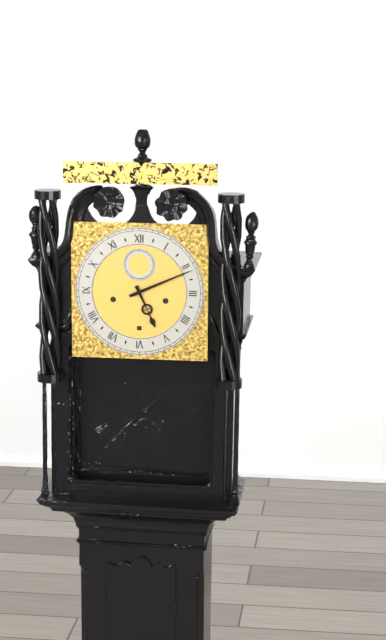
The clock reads 5 h 11 min
